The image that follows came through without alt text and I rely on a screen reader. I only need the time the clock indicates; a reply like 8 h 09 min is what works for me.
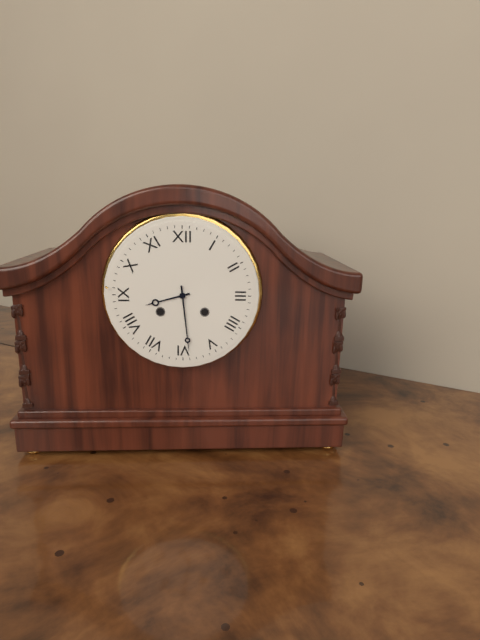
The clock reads 8 h 29 min
